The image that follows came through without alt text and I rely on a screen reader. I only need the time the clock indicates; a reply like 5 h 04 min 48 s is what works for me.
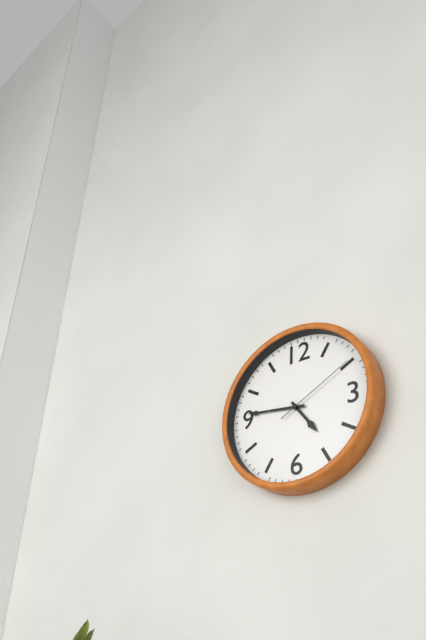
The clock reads 4 h 46 min 10 s
